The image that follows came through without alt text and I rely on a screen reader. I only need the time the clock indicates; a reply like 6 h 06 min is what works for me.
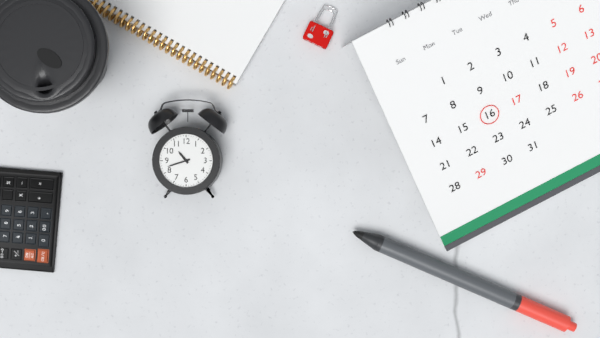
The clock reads 10 h 42 min
